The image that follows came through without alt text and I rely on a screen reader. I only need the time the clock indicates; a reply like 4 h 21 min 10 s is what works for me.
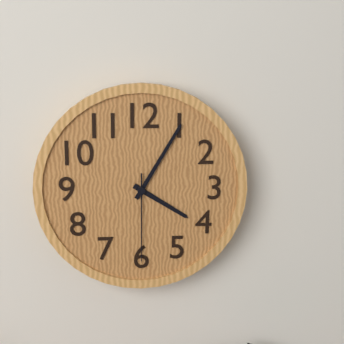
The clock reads 4 h 05 min 30 s
